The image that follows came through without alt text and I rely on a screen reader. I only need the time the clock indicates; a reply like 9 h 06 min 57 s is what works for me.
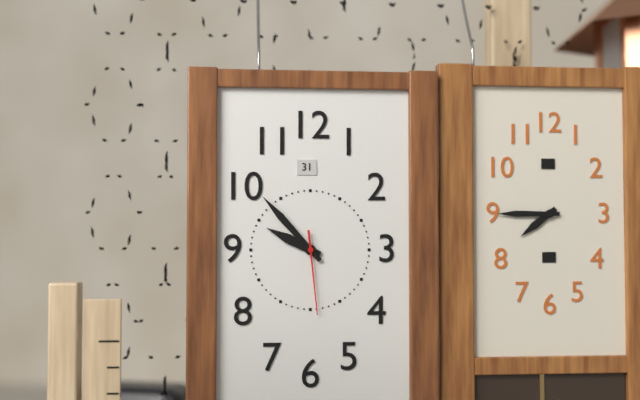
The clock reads 9 h 53 min 29 s
